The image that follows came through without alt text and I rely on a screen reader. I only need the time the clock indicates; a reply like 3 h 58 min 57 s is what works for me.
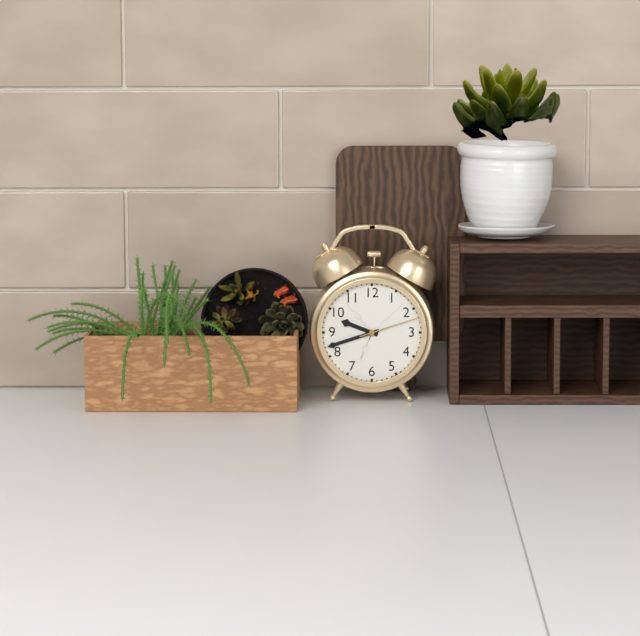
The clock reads 9 h 42 min 12 s
